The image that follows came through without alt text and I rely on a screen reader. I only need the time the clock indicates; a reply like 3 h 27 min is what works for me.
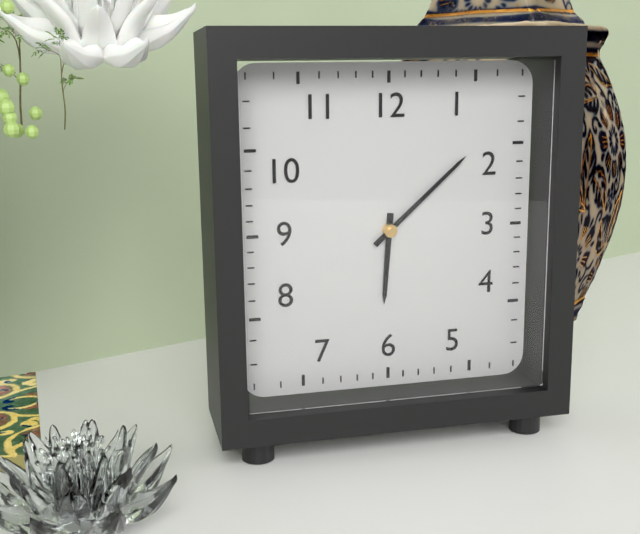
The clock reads 6 h 08 min
